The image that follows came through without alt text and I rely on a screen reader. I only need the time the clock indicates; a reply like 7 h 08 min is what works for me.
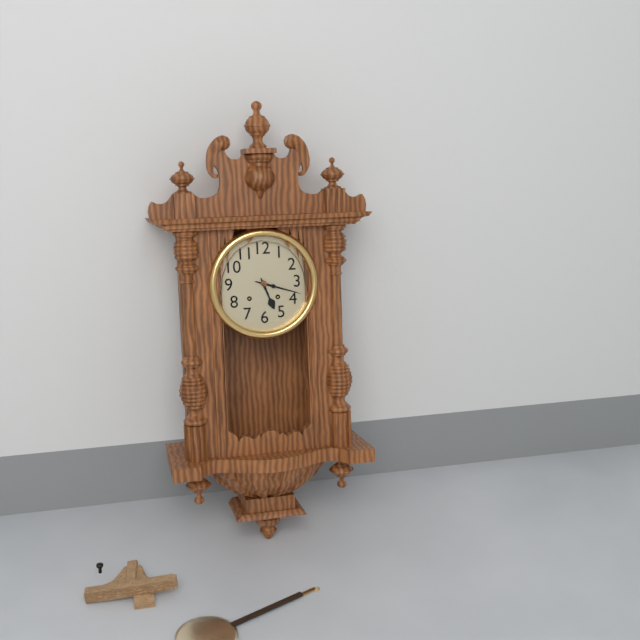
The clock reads 5 h 18 min
